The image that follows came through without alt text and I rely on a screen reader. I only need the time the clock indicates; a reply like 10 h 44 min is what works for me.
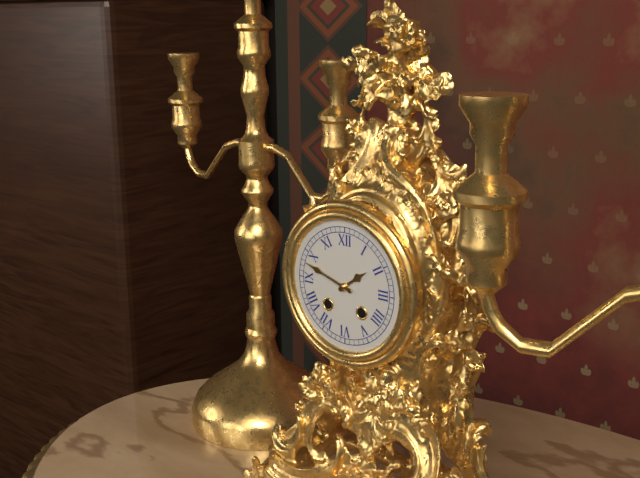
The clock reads 1 h 48 min
